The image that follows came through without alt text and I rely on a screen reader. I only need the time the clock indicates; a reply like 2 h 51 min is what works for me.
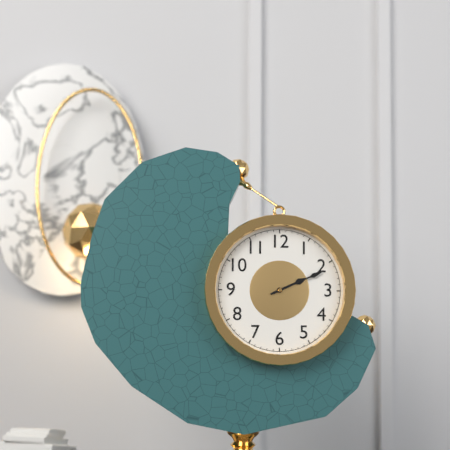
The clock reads 2 h 11 min
